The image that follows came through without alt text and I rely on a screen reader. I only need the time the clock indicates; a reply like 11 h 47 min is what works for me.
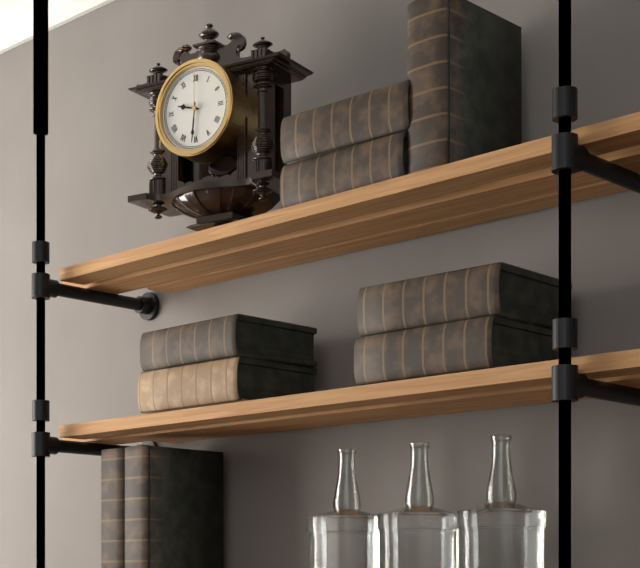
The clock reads 9 h 31 min
